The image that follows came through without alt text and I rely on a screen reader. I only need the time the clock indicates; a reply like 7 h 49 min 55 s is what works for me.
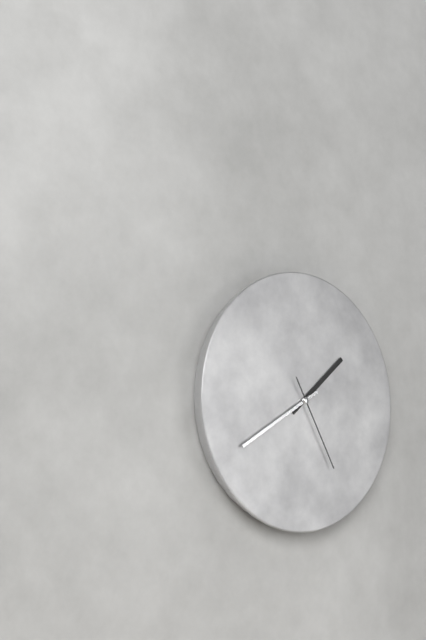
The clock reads 1 h 40 min 25 s
